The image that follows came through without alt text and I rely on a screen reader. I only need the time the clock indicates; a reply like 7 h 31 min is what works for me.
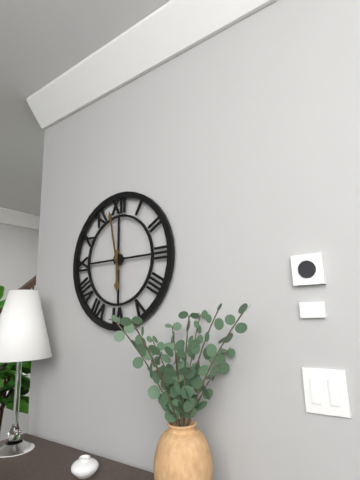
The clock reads 5 h 58 min
